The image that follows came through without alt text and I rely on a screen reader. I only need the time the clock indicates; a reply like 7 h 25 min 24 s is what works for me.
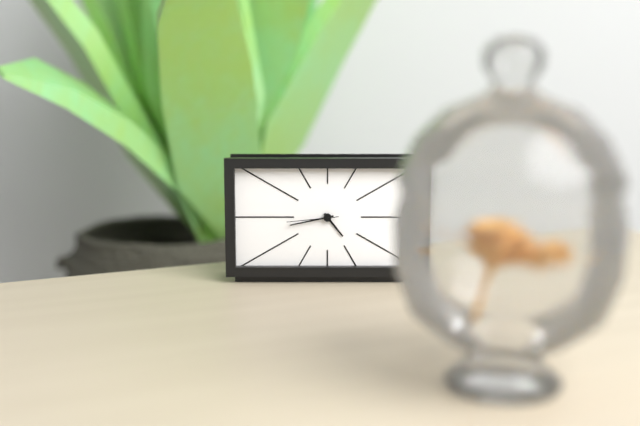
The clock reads 4 h 43 min 44 s
